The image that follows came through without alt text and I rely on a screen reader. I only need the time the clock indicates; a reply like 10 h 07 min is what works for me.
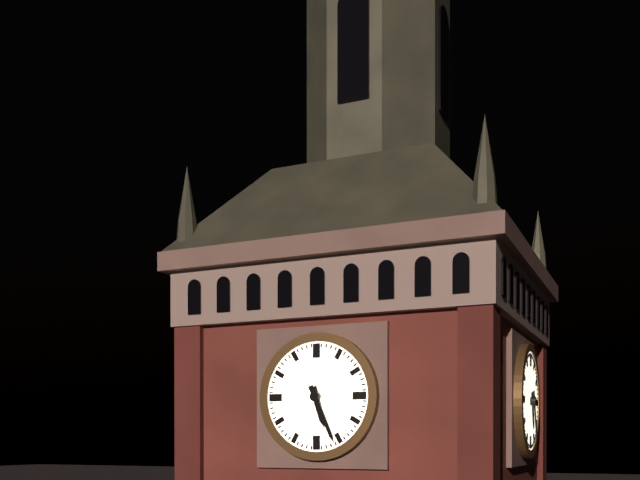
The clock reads 5 h 26 min
